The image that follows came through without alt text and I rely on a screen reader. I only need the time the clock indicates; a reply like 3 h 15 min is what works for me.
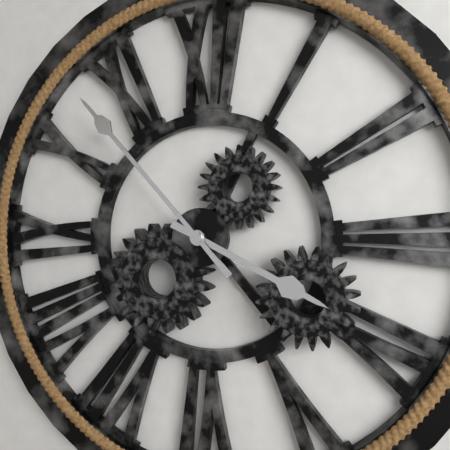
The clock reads 3 h 53 min
